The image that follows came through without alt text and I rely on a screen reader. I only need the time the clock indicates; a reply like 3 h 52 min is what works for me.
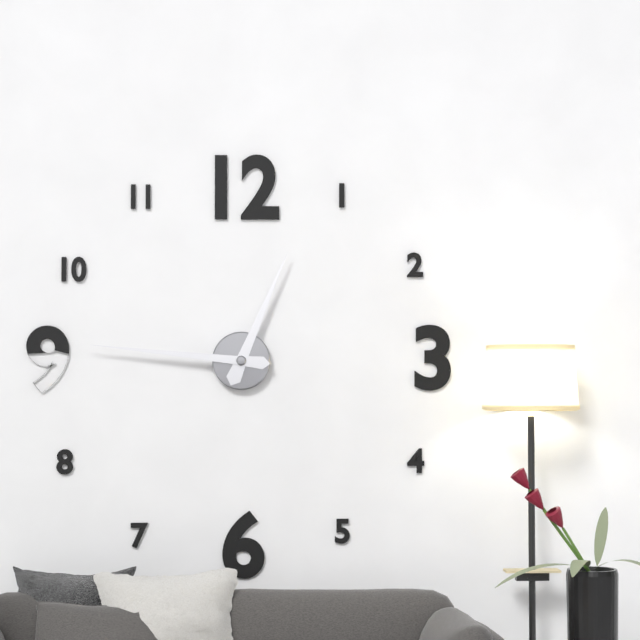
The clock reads 12 h 46 min
